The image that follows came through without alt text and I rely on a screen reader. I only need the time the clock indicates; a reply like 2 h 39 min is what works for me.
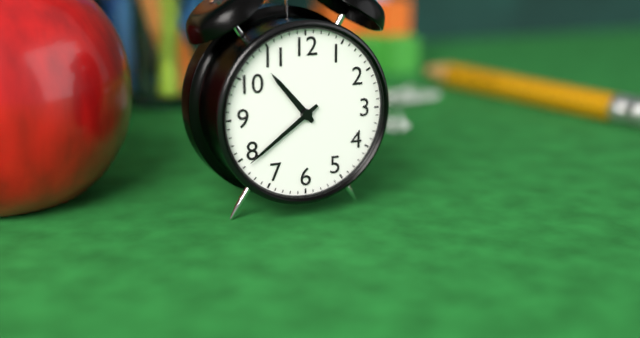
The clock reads 10 h 39 min
